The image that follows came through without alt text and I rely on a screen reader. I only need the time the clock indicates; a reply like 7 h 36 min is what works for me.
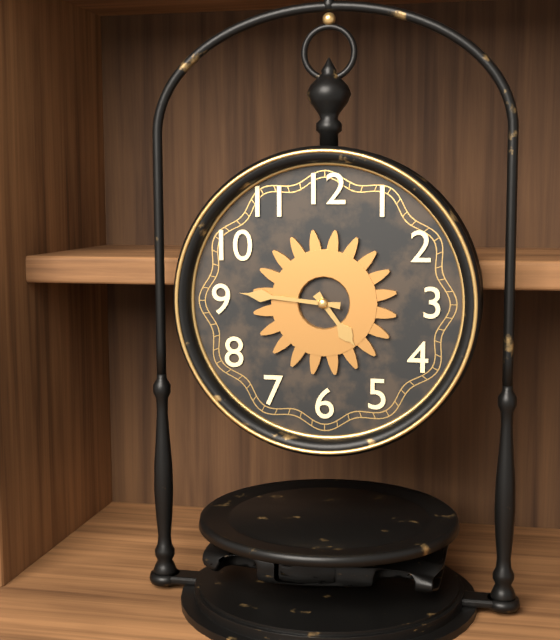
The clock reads 4 h 46 min
